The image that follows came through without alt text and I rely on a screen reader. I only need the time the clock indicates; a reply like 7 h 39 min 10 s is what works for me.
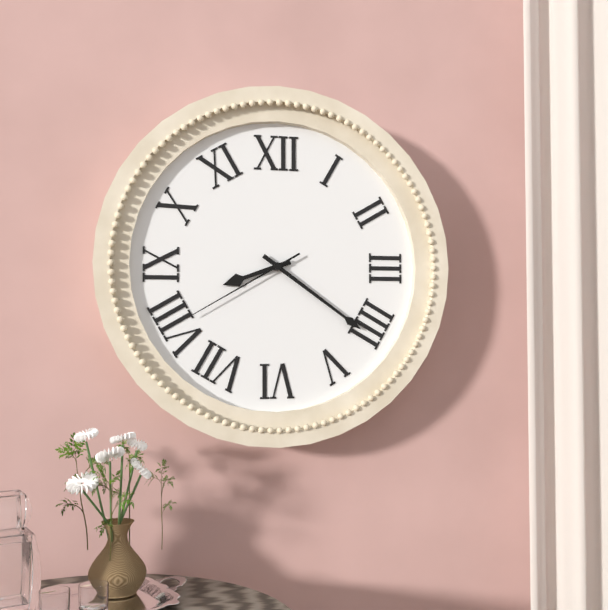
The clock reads 8 h 21 min 40 s
